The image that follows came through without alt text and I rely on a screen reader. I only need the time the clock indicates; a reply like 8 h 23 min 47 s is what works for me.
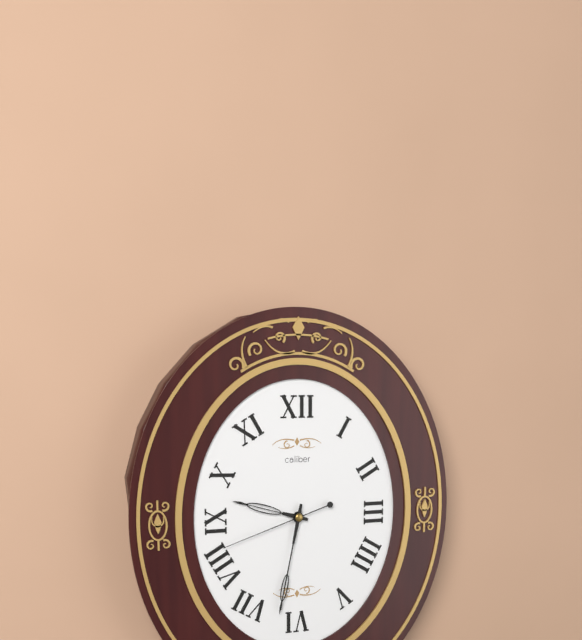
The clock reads 9 h 32 min 42 s
